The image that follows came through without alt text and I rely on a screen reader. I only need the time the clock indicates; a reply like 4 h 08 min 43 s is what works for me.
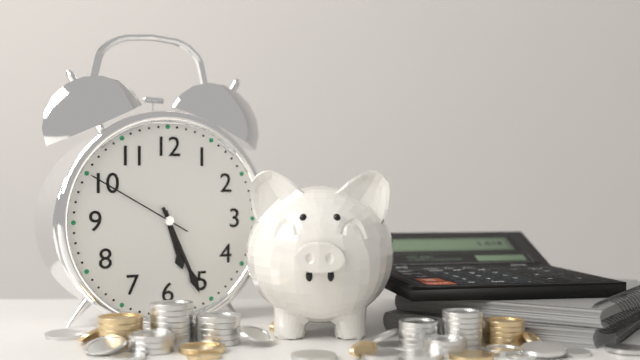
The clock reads 5 h 26 min 50 s
